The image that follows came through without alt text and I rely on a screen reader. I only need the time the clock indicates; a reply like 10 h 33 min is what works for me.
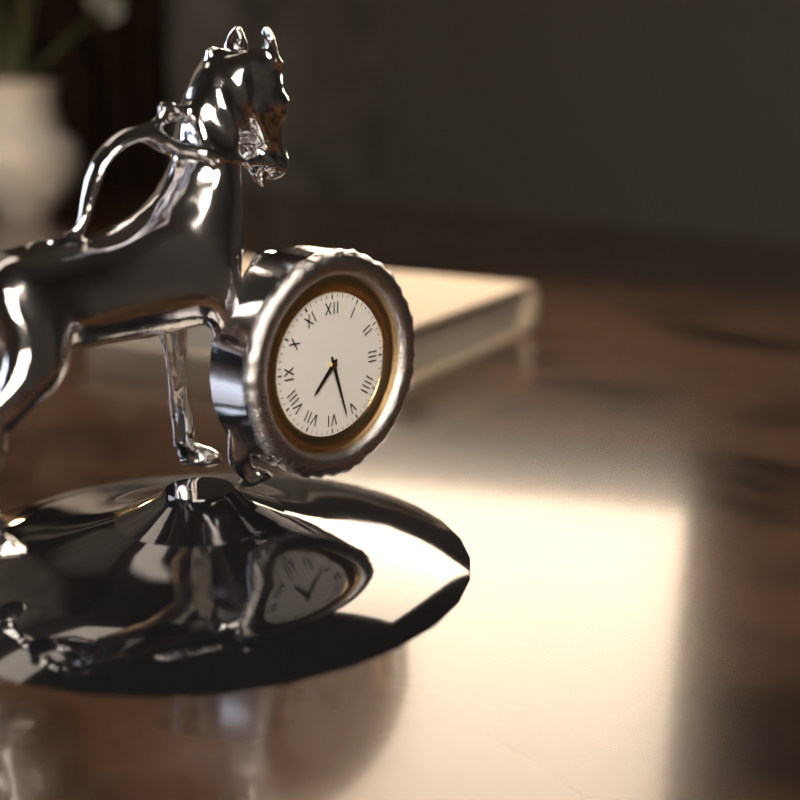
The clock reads 7 h 27 min
